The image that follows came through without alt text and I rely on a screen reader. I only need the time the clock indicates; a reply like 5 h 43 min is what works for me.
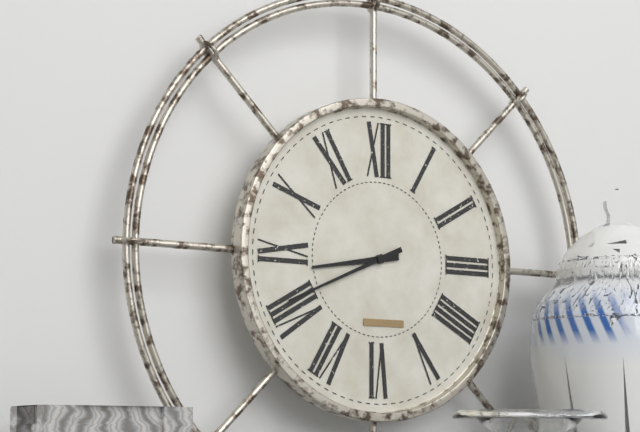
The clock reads 8 h 41 min
